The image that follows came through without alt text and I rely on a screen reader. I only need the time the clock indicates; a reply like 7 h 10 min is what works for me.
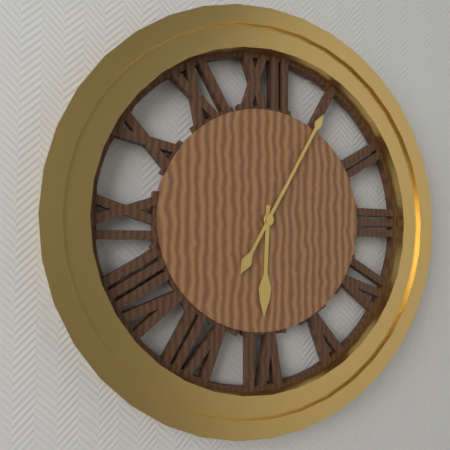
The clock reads 6 h 05 min
